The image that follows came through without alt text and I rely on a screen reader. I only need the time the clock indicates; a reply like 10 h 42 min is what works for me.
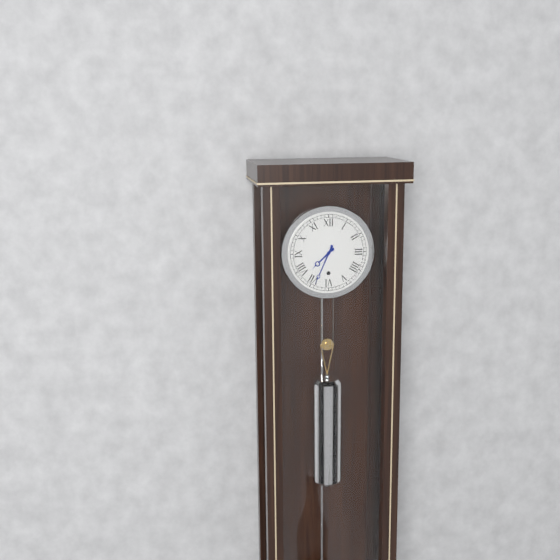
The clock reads 7 h 34 min
